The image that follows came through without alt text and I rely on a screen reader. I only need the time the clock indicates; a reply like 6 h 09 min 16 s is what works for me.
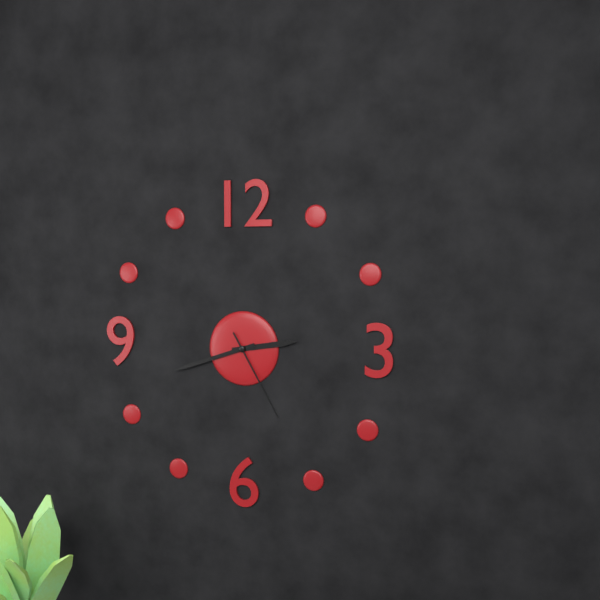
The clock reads 2 h 42 min 25 s
